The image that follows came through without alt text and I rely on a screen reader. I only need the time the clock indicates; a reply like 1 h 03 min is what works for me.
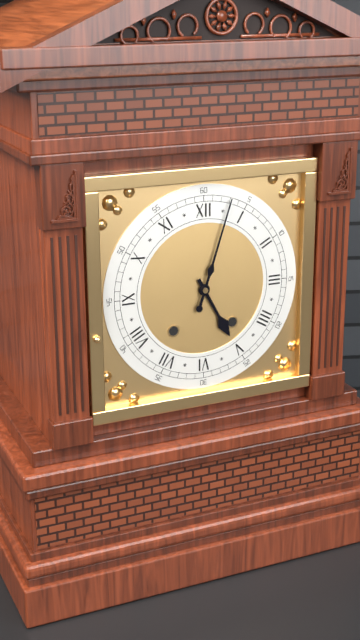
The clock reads 5 h 03 min
